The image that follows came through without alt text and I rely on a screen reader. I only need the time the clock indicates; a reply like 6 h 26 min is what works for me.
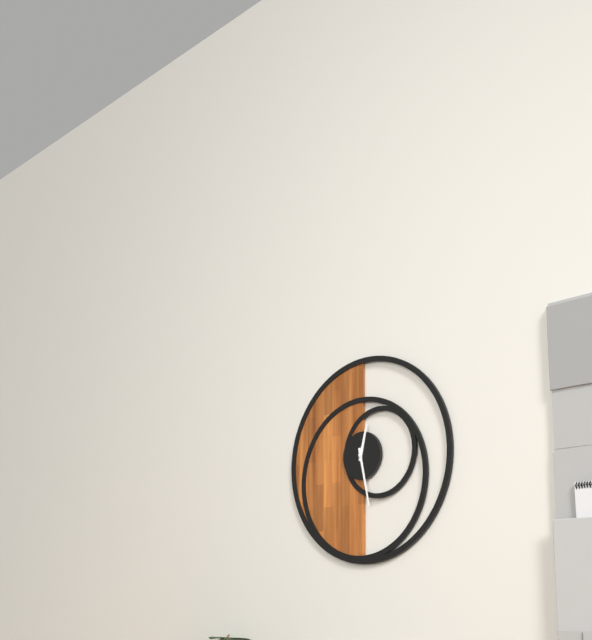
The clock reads 12 h 28 min
